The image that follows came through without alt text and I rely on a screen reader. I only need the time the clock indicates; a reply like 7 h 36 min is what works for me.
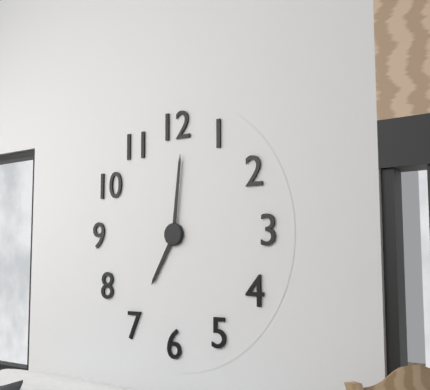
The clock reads 7 h 01 min
